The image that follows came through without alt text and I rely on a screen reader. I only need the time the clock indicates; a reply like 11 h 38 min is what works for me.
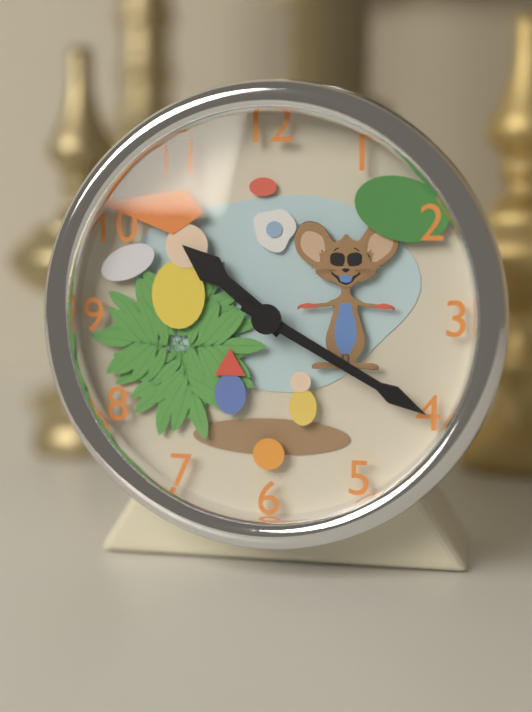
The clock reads 10 h 20 min
